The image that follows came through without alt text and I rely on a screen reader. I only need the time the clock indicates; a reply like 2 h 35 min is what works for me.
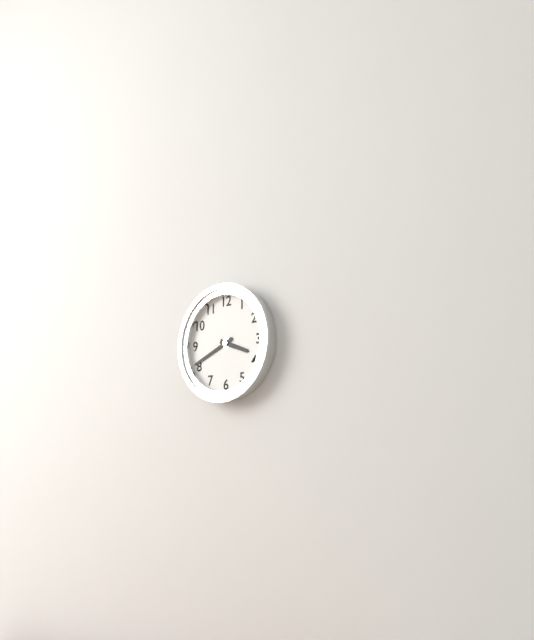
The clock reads 3 h 41 min
